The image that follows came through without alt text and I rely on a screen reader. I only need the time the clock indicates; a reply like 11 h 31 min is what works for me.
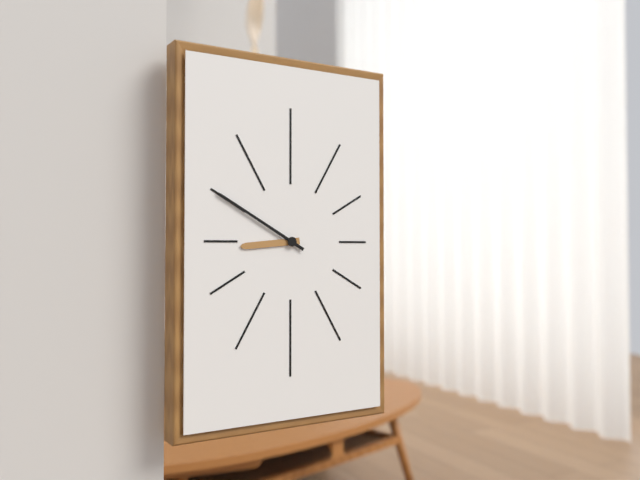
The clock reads 8 h 50 min
